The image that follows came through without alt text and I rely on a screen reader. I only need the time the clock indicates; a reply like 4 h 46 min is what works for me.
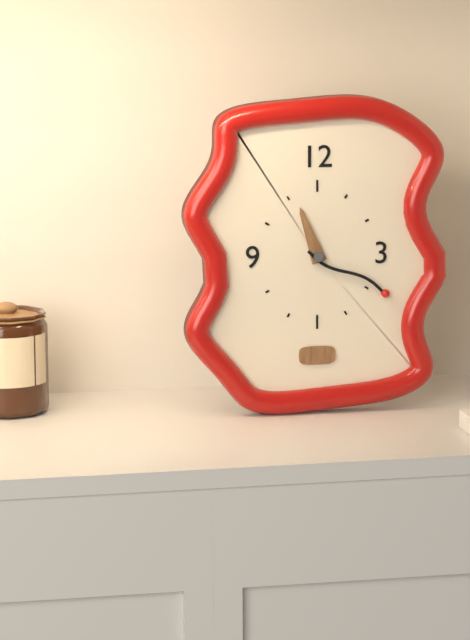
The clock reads 11 h 20 min
